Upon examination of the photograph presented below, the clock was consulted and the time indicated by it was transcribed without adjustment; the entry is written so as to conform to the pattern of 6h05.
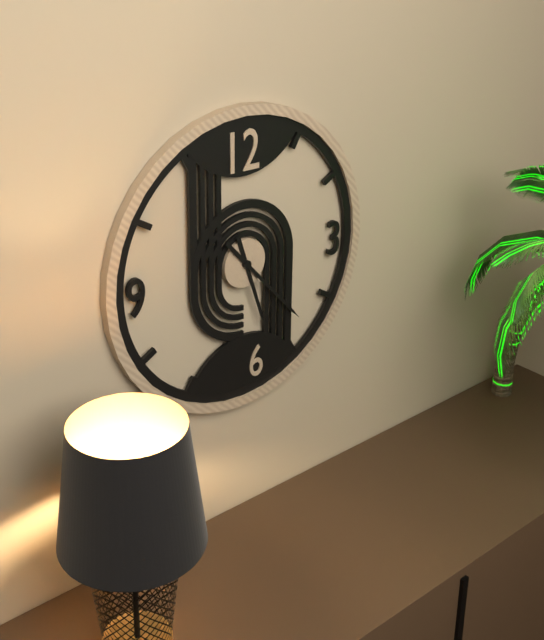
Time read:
5h23
